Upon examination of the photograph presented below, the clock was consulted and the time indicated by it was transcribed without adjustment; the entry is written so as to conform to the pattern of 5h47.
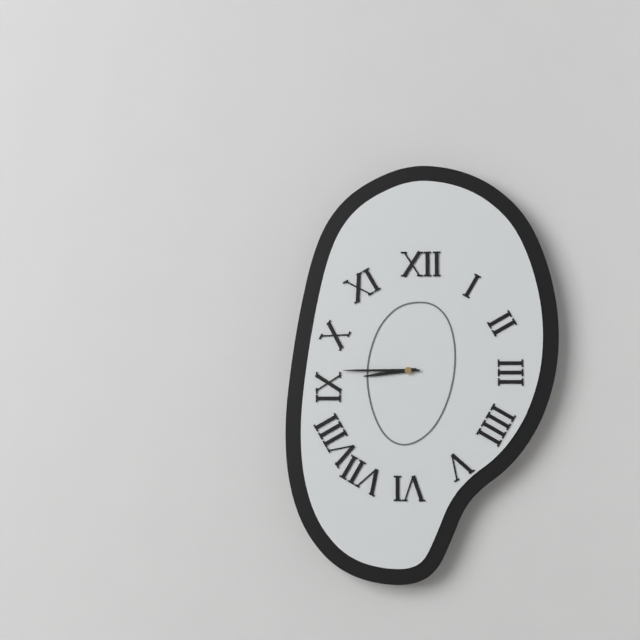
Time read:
8h45
